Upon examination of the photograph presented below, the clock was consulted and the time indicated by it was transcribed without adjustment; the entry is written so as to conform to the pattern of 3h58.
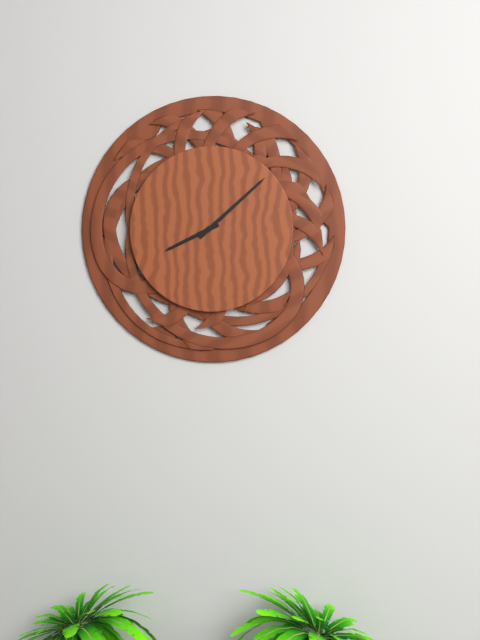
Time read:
8h08
